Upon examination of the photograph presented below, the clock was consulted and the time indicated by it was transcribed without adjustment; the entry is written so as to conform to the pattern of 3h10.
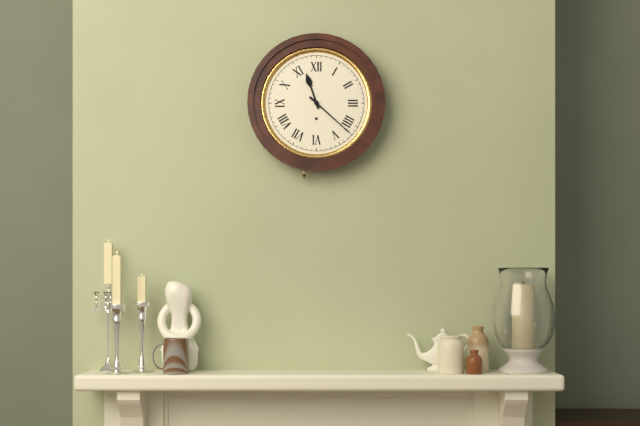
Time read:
11h22
